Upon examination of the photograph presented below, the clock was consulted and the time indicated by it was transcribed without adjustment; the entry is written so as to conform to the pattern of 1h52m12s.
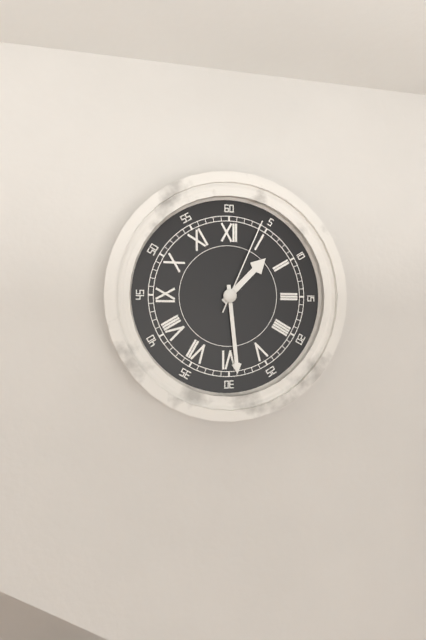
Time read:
1h29m04s
